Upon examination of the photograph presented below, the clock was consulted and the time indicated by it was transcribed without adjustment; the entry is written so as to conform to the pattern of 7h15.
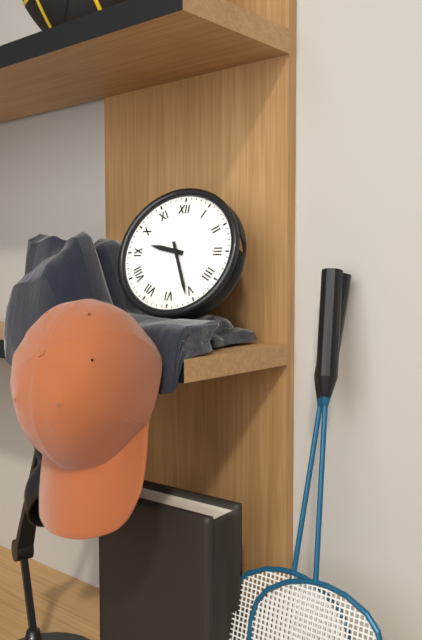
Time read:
9h26
